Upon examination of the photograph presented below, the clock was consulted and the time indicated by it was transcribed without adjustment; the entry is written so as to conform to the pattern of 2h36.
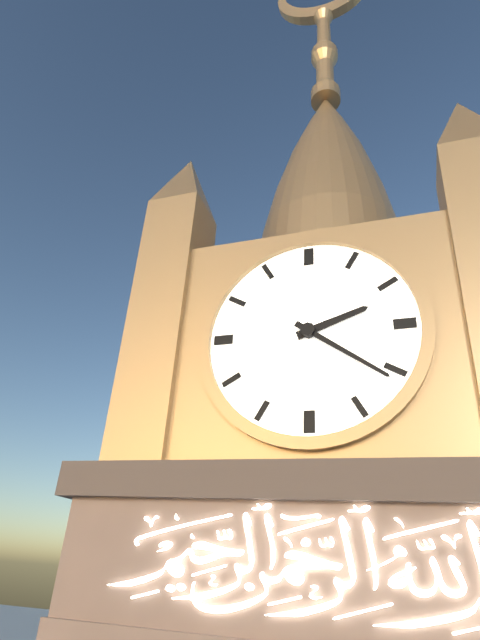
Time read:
2h21
